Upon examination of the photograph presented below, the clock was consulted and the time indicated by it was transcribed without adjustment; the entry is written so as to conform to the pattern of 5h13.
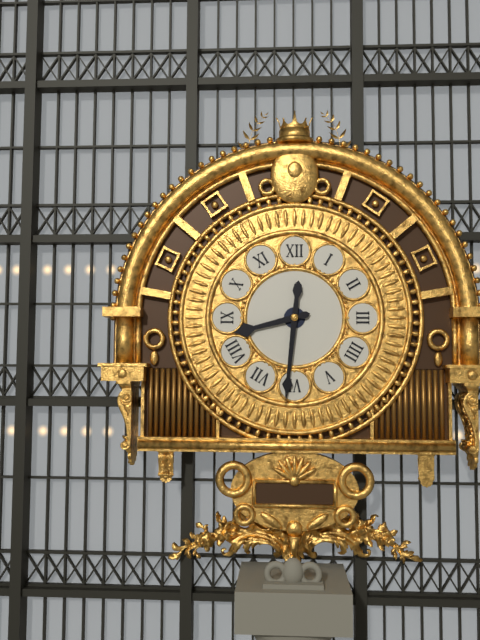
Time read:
8h31
